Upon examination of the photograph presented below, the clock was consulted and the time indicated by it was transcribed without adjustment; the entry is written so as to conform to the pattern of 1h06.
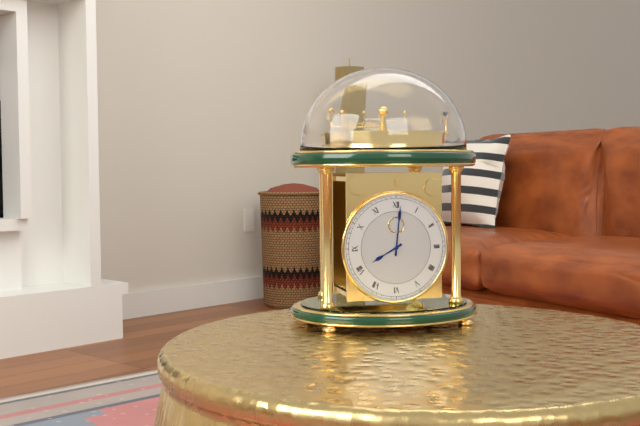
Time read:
8h01
